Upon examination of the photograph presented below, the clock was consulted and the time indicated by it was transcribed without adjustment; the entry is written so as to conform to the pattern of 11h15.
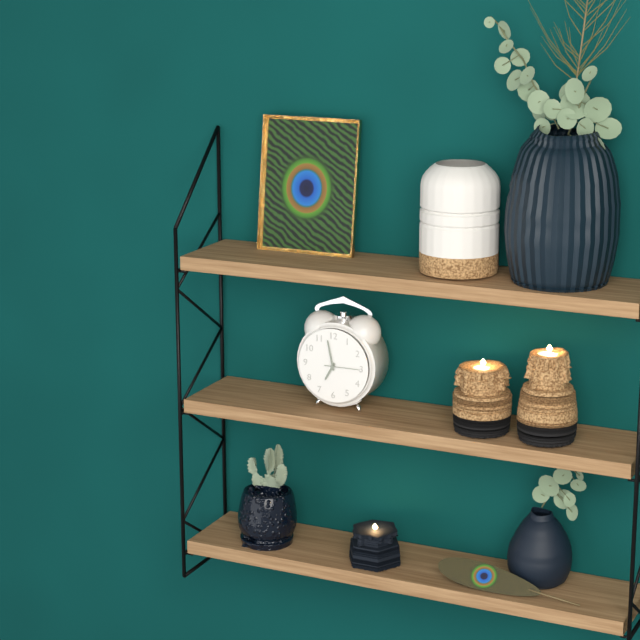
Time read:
6h58
